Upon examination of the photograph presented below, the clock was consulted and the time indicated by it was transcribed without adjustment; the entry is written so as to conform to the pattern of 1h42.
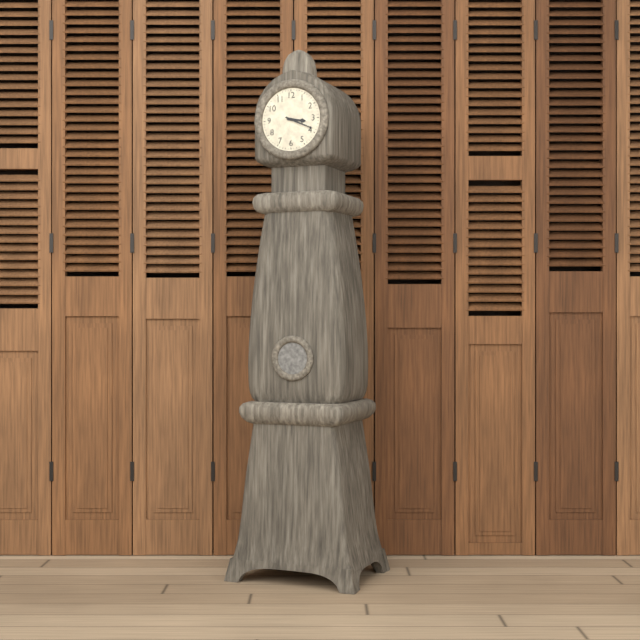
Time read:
3h19
